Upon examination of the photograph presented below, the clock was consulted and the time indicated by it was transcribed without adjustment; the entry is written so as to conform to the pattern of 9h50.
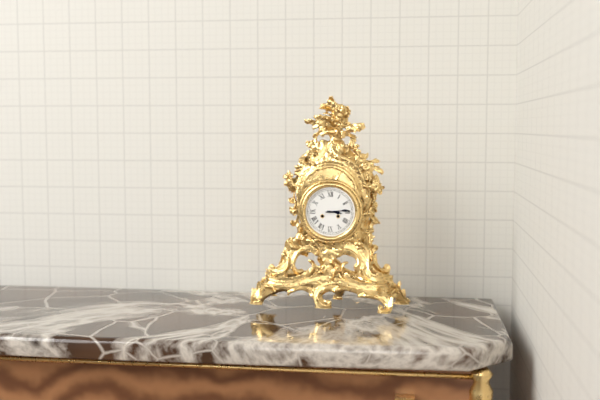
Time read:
3h14
